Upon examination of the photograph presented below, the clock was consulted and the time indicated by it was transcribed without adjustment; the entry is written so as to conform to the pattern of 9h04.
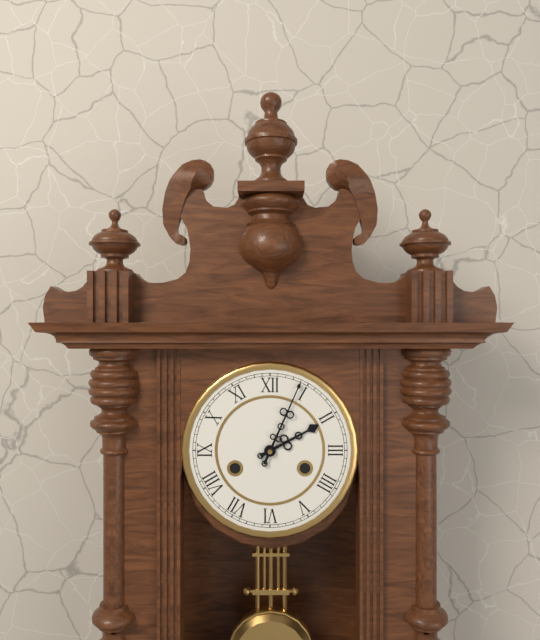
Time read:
2h04
